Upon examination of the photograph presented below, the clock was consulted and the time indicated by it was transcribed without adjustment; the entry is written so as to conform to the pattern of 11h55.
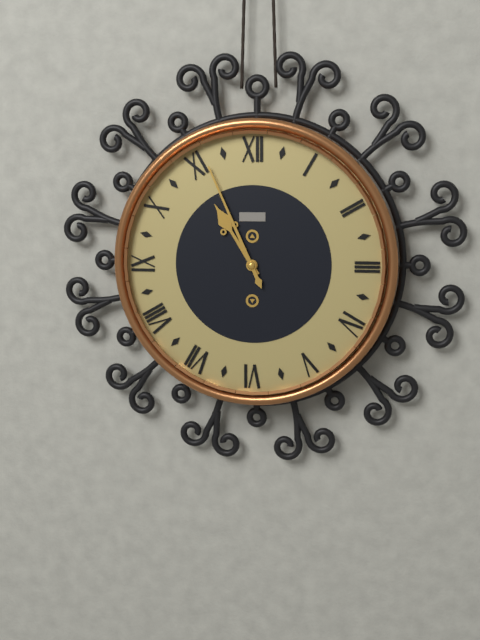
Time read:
10h56
